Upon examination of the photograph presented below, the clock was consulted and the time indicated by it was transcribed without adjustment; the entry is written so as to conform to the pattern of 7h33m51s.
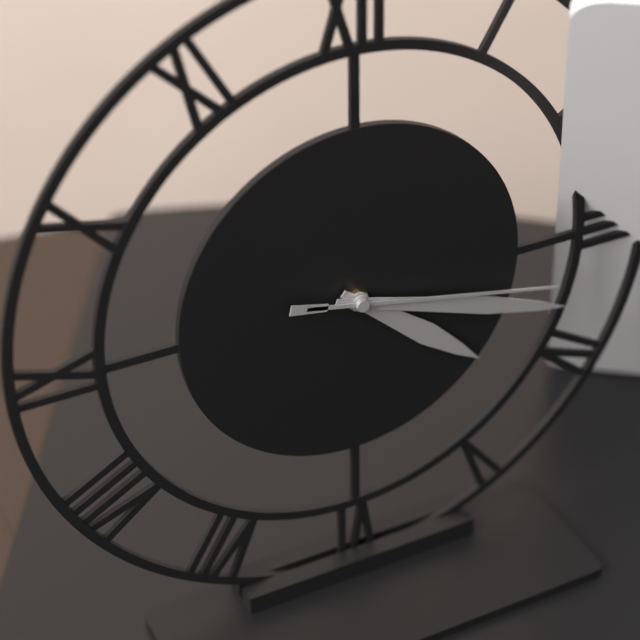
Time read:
4h18m17s
